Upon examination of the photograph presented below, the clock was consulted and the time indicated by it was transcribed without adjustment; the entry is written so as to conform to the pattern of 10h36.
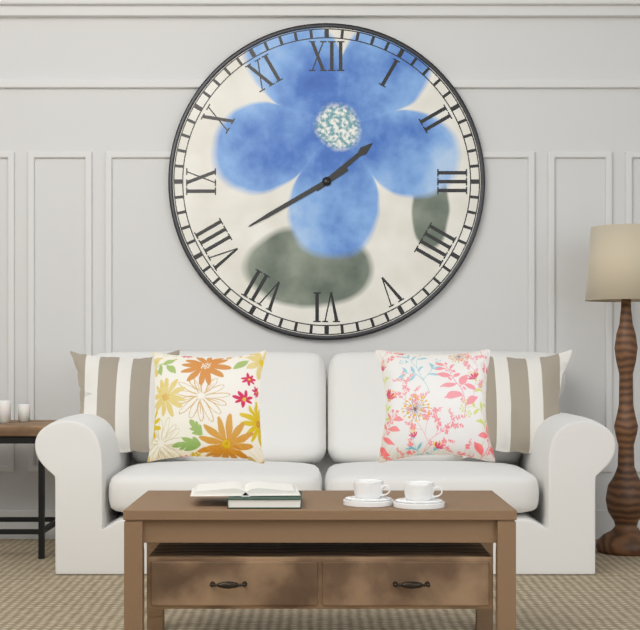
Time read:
1h40
